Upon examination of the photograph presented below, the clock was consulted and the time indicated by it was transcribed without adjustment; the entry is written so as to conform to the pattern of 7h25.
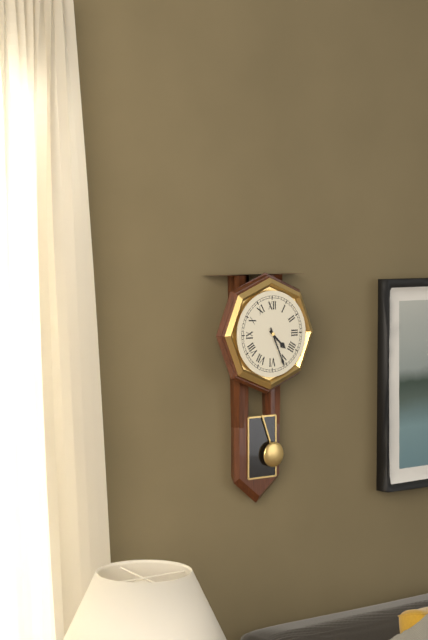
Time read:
4h26
